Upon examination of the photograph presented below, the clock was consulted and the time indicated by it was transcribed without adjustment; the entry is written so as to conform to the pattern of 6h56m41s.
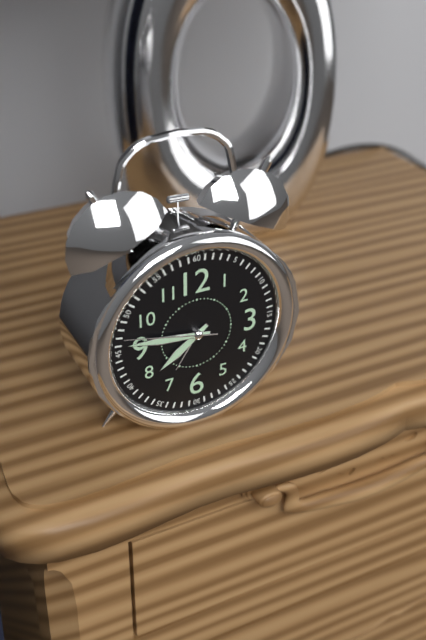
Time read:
7h46m47s
